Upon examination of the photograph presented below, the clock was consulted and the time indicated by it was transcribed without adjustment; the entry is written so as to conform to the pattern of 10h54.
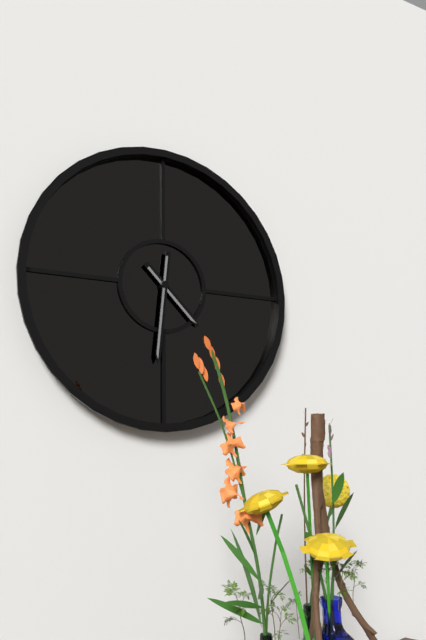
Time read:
4h31
